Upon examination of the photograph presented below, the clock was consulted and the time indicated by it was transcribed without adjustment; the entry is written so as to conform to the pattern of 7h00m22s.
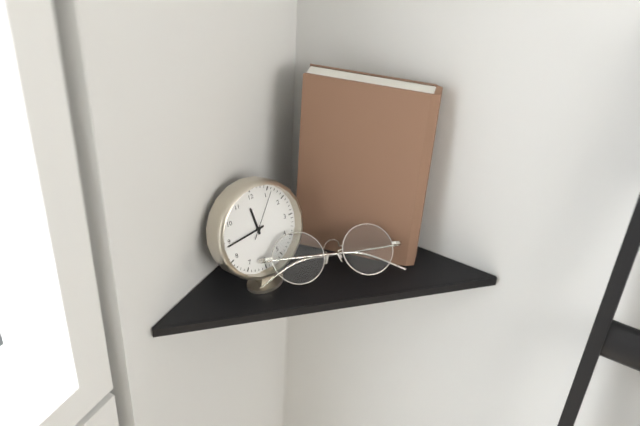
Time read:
11h44m06s
